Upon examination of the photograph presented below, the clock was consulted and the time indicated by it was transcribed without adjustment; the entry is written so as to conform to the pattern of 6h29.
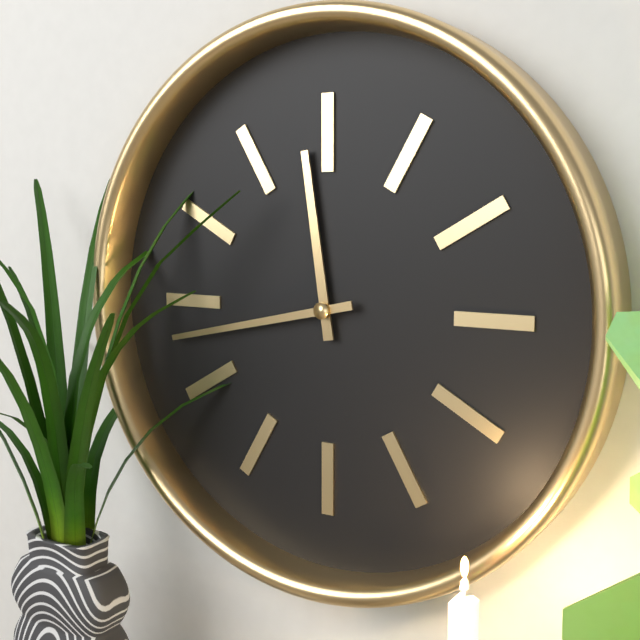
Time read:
11h43
